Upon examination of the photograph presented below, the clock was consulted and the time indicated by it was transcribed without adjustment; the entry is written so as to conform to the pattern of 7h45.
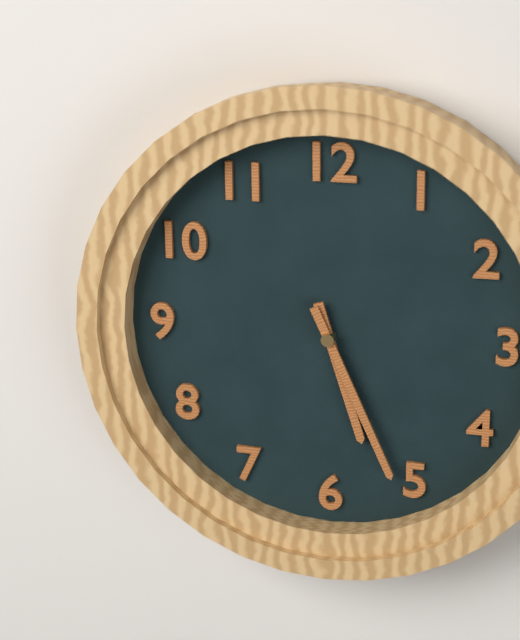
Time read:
5h26
